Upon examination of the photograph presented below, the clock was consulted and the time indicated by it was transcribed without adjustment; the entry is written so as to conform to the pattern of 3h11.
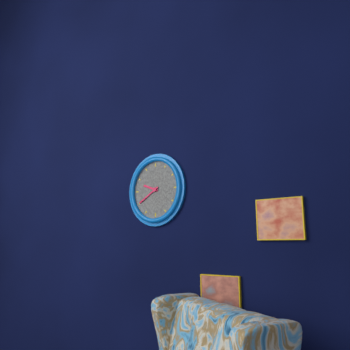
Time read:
9h40
